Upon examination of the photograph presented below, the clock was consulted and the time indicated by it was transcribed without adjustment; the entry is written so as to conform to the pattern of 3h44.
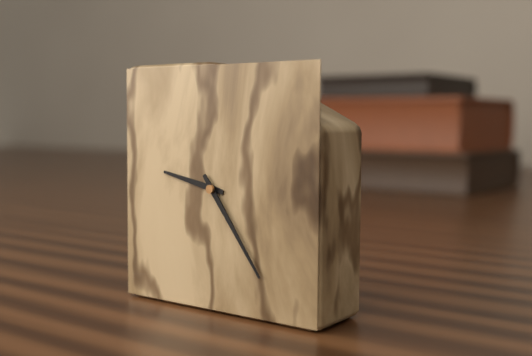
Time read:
9h24
